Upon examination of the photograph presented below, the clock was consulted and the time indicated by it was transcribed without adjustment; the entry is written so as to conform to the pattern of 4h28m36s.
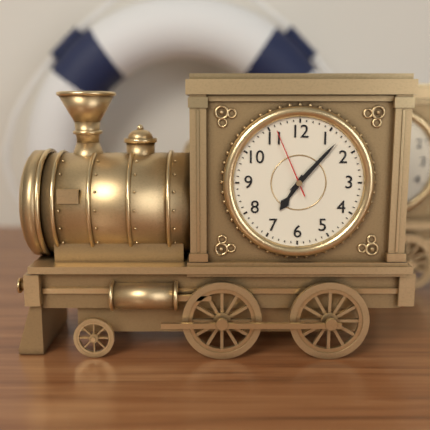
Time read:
7h07m56s
